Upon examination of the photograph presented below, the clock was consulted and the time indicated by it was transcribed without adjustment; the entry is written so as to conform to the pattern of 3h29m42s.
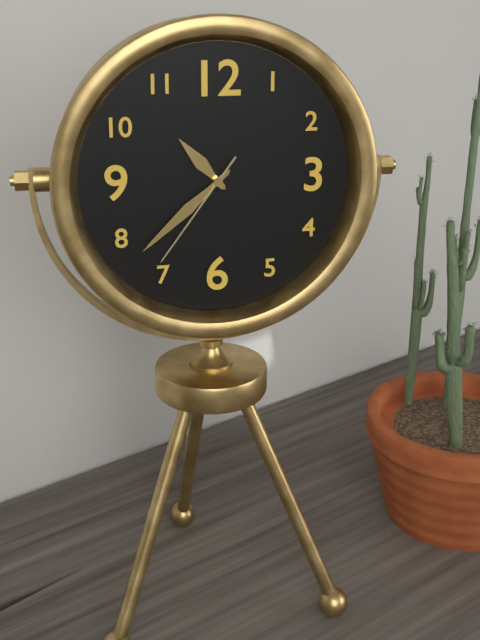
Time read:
10h38m36s
